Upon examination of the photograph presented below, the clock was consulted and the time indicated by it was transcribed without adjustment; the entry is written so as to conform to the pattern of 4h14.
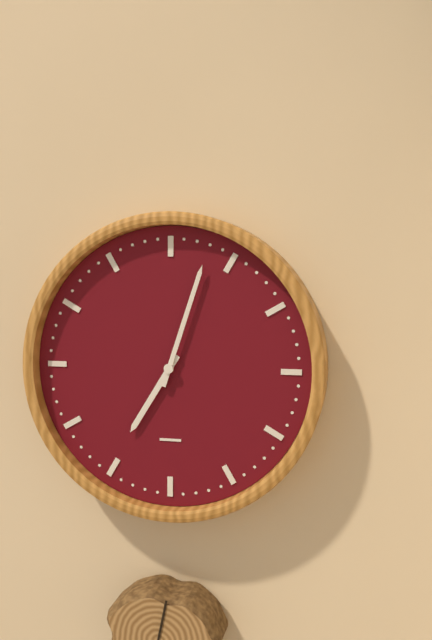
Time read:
7h03
